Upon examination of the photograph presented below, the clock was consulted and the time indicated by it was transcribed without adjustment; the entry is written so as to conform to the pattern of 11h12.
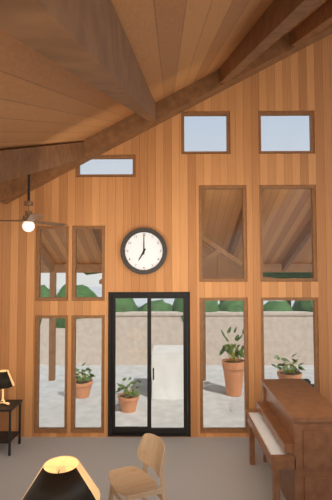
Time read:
7h00
